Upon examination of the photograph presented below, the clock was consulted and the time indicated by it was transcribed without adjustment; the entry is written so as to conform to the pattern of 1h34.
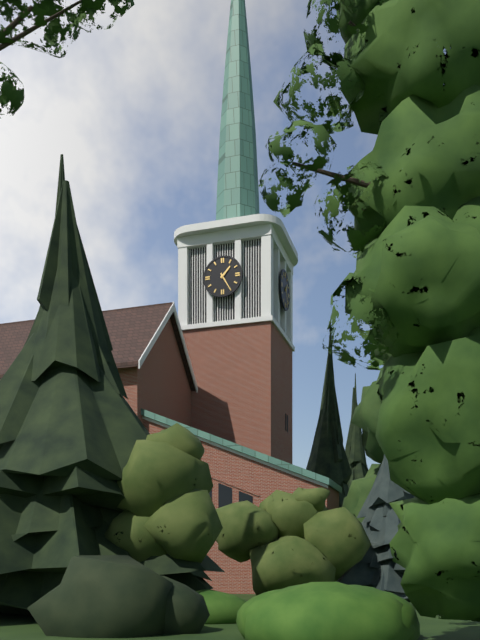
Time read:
1h25
